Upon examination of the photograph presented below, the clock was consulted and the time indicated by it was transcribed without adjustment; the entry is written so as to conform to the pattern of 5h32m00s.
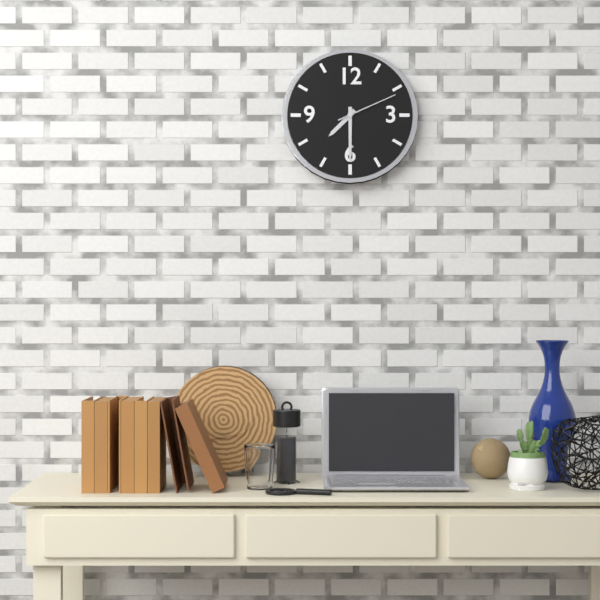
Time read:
7h30m11s
